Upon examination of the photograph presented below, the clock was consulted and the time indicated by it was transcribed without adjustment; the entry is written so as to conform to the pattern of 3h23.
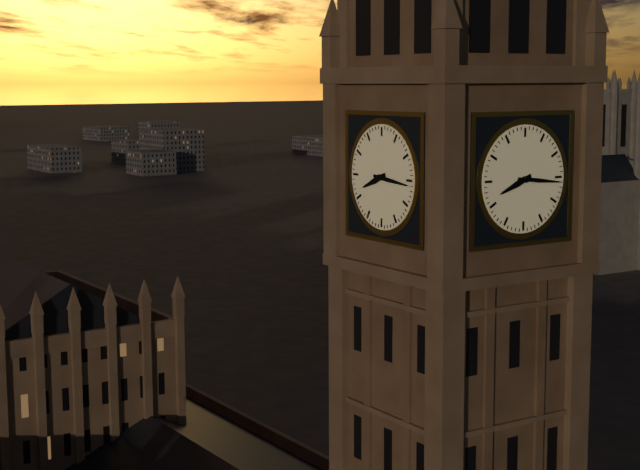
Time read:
8h16
